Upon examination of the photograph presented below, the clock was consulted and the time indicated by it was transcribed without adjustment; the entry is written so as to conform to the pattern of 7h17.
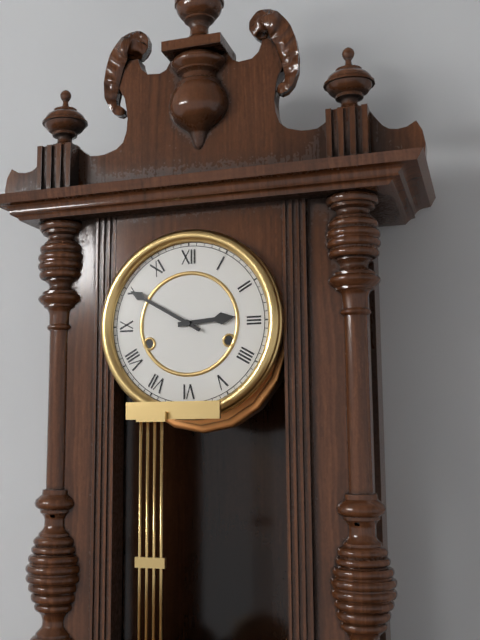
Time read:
2h50
